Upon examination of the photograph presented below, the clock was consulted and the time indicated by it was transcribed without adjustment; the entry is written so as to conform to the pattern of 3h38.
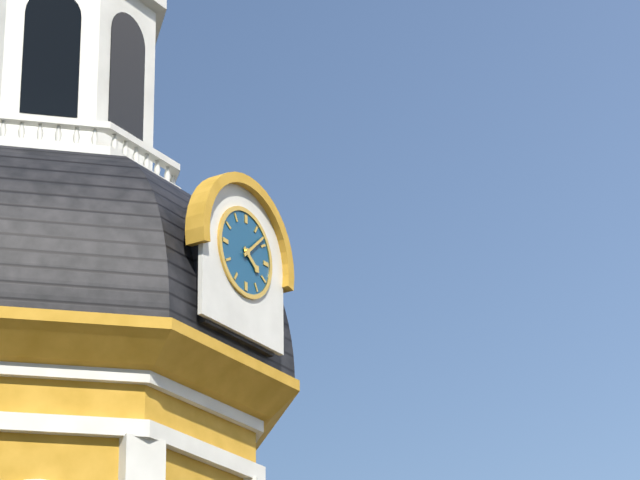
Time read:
4h08
